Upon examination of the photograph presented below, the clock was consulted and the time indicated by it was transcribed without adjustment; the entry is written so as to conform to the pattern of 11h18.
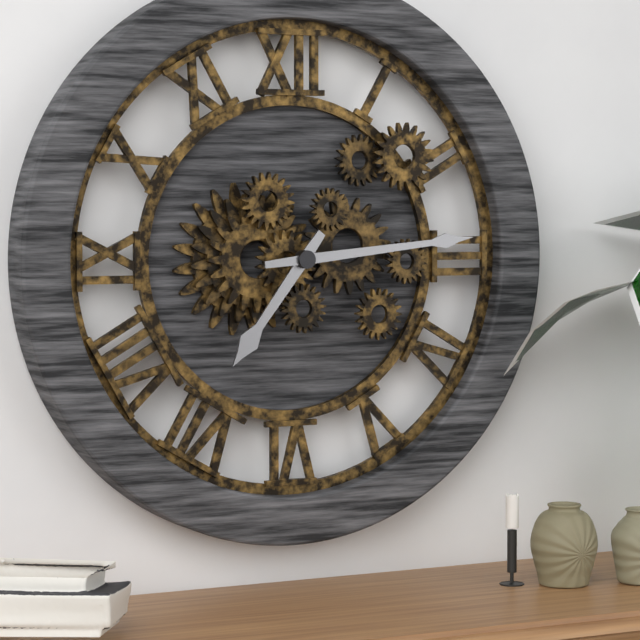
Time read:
7h14
